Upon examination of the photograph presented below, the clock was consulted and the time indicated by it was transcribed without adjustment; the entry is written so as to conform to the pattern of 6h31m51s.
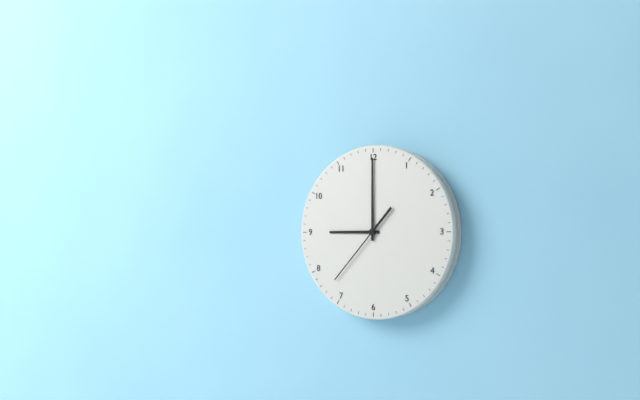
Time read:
9h00m37s
